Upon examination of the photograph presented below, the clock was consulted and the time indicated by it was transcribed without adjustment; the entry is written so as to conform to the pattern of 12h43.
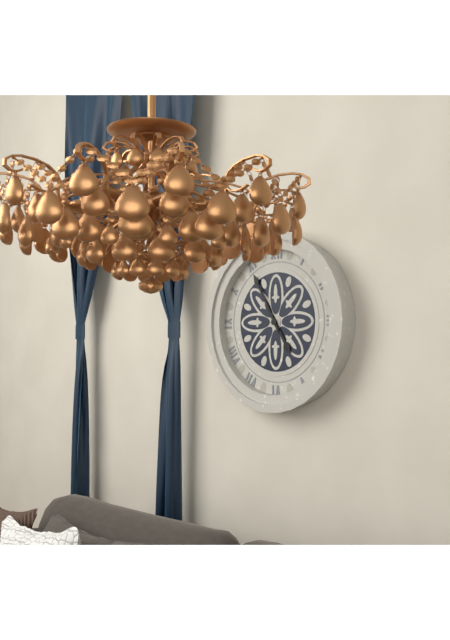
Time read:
4h55
